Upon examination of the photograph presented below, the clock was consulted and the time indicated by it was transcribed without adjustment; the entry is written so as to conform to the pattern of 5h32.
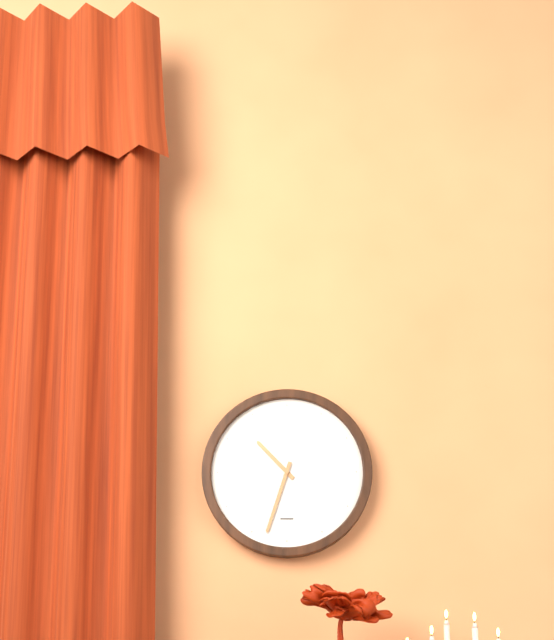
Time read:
10h33
